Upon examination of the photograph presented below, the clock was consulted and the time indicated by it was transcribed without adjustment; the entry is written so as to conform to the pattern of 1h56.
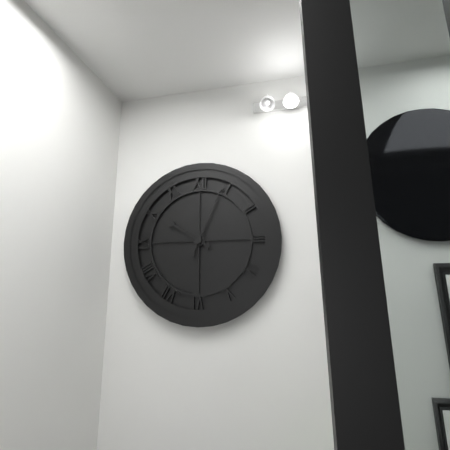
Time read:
10h04
